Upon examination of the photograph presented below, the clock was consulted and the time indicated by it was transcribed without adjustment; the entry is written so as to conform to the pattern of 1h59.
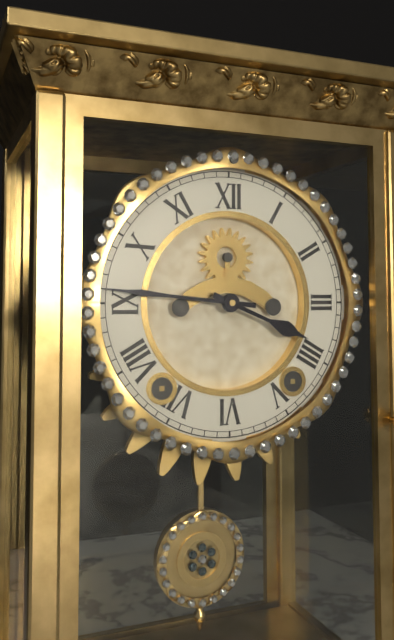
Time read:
3h46
